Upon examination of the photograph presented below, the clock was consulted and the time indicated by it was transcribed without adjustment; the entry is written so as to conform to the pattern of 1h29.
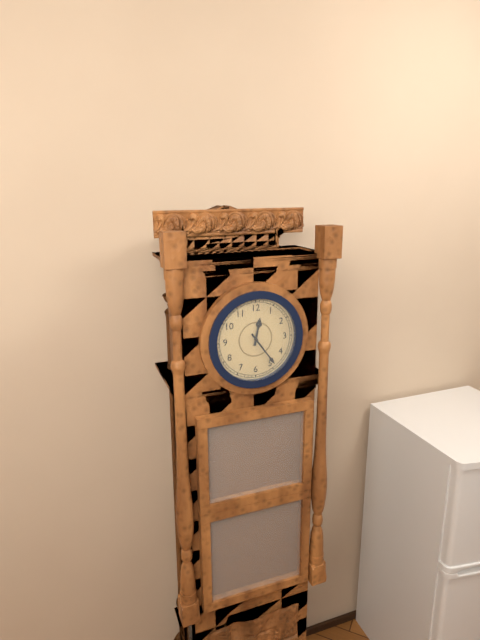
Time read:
12h24
